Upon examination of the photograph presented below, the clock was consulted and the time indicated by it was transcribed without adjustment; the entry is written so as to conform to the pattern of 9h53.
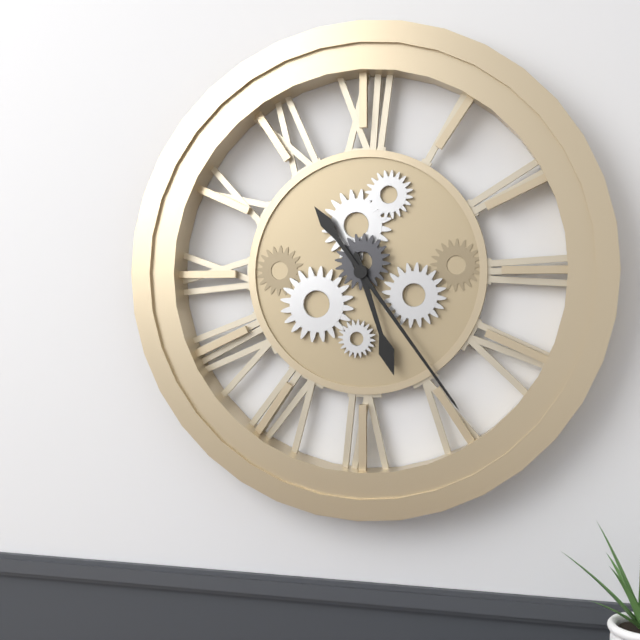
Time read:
5h24
